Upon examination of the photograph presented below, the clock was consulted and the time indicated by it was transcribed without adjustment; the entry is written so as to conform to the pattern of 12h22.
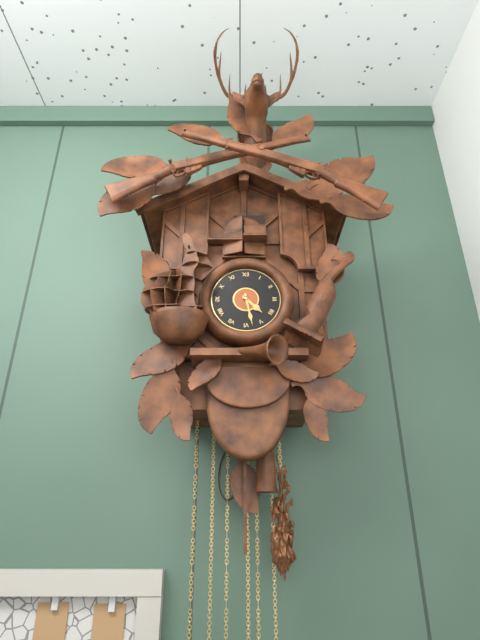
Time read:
4h28
